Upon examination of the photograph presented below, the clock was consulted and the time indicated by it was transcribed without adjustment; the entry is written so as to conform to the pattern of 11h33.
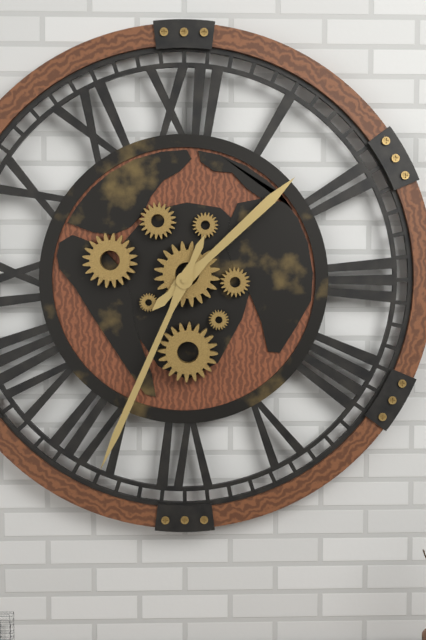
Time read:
1h34
